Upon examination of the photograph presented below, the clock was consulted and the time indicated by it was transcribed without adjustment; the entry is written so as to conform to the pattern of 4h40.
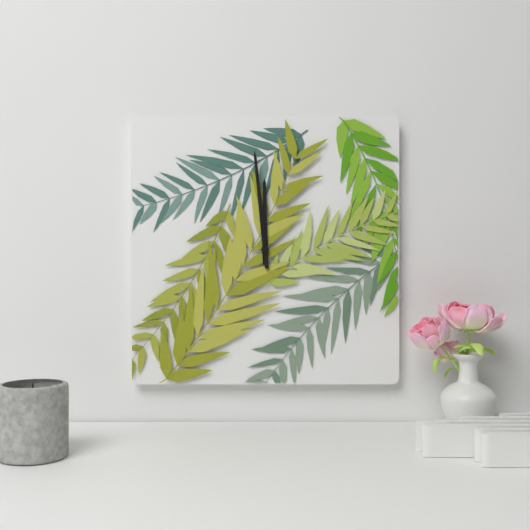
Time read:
11h59
